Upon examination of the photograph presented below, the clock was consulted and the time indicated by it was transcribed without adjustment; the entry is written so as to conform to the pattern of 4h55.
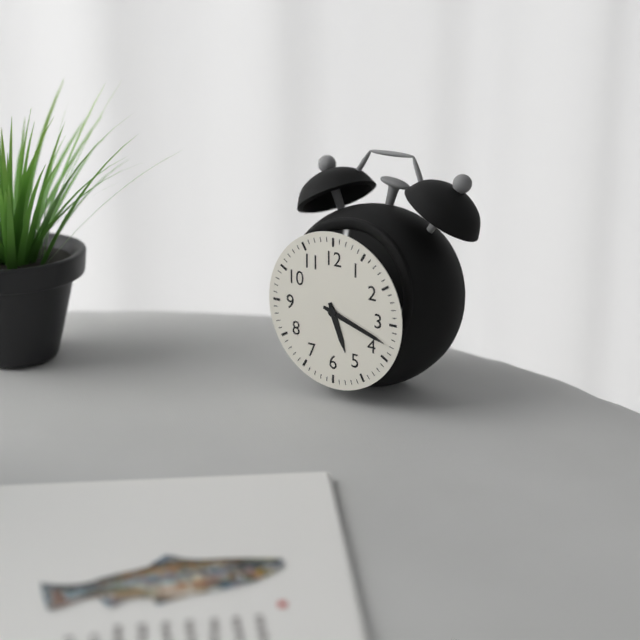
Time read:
5h18
